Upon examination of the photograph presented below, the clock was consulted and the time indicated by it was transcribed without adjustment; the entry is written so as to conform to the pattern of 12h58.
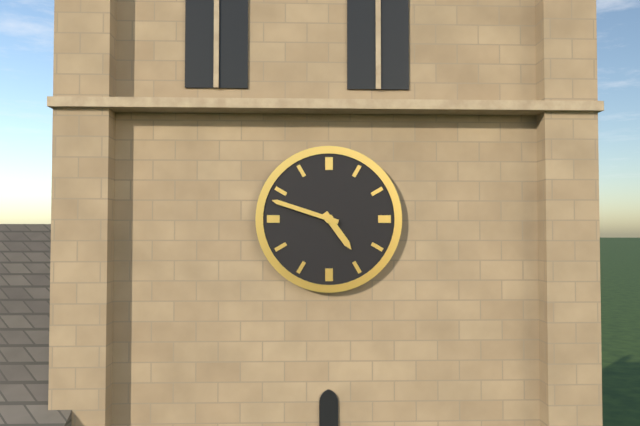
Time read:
4h48
